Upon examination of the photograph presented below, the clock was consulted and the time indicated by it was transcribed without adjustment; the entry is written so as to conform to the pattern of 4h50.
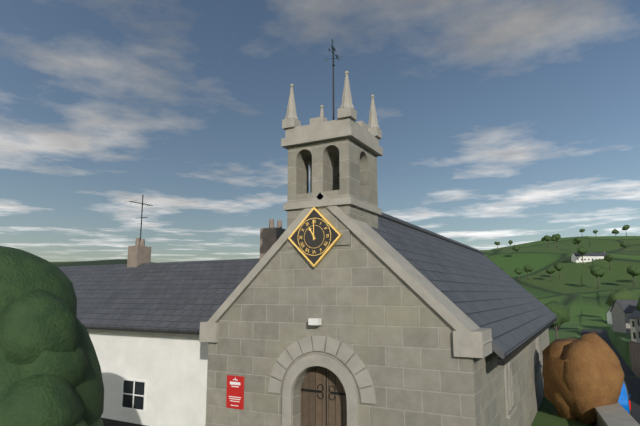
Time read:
11h00
